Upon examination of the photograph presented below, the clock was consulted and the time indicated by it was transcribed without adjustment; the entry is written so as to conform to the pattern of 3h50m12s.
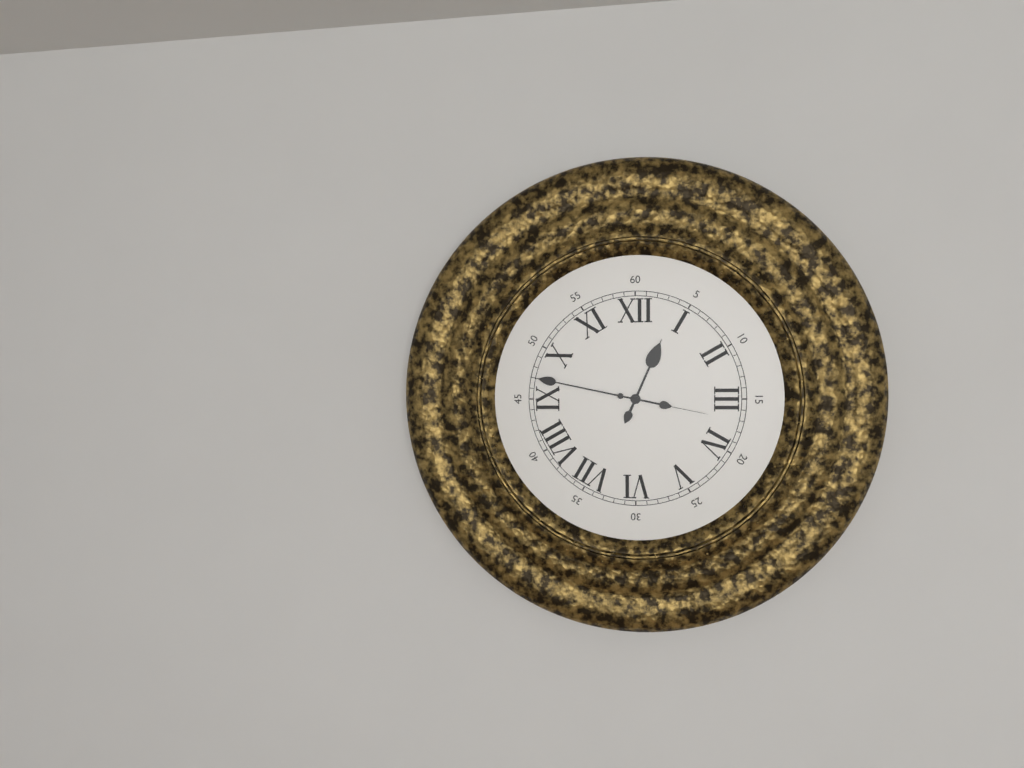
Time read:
12h47m17s
